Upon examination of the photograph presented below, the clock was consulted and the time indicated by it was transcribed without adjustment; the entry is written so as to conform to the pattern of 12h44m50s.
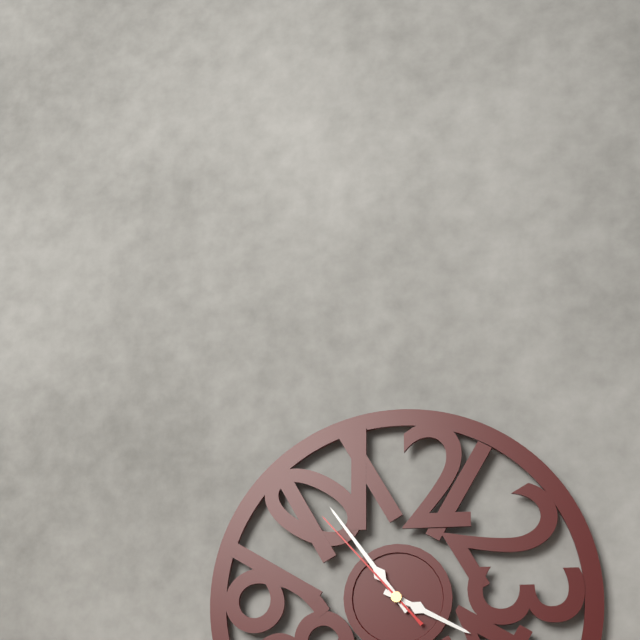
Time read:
3h54m53s
